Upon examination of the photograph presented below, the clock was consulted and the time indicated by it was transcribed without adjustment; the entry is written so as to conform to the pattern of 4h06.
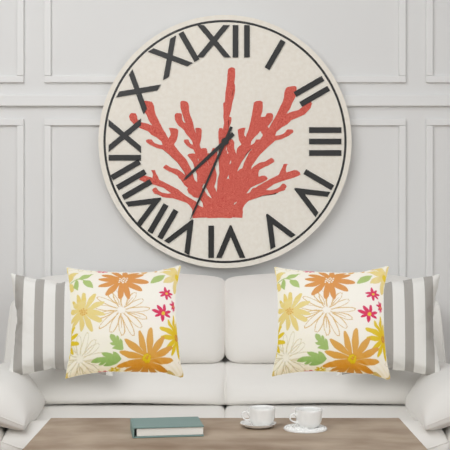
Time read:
7h34
